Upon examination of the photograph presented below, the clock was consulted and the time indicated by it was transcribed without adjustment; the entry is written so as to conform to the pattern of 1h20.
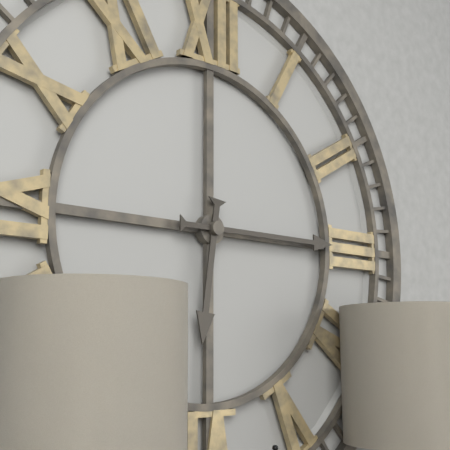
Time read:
6h15
